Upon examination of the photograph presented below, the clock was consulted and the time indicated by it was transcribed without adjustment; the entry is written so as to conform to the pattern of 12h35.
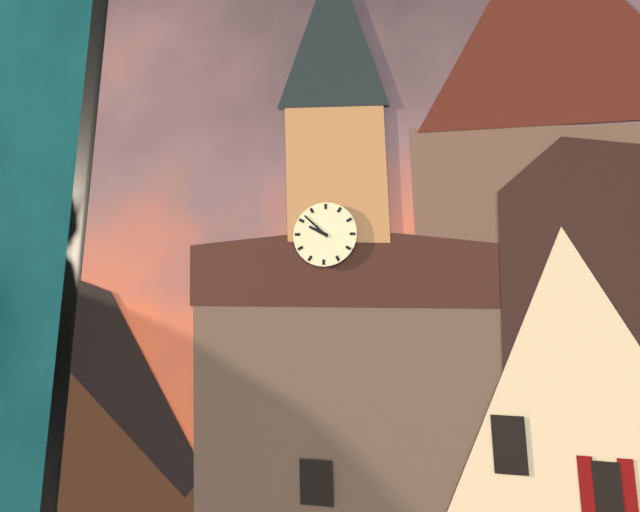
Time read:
9h52
